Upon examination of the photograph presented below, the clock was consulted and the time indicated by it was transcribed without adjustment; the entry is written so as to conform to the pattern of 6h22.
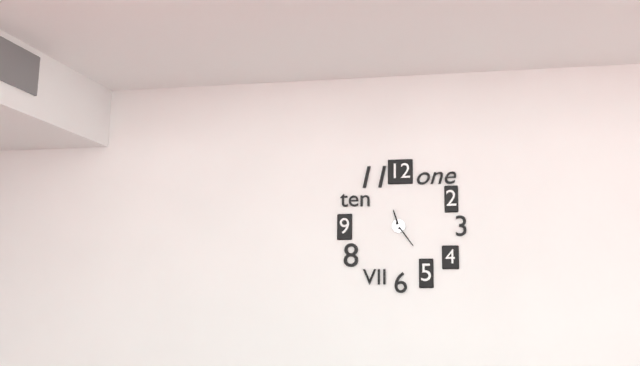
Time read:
11h24
